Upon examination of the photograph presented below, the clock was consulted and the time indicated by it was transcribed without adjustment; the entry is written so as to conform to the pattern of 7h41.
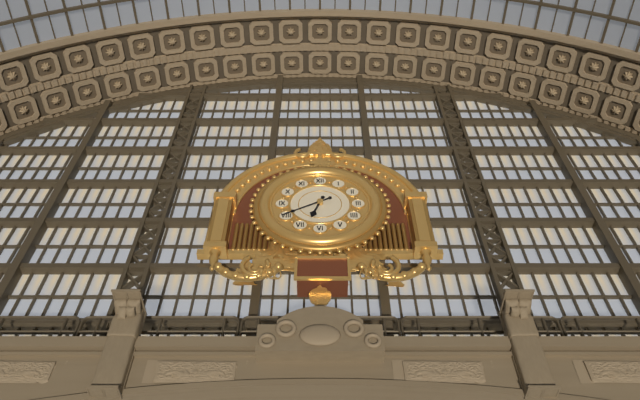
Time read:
6h40
